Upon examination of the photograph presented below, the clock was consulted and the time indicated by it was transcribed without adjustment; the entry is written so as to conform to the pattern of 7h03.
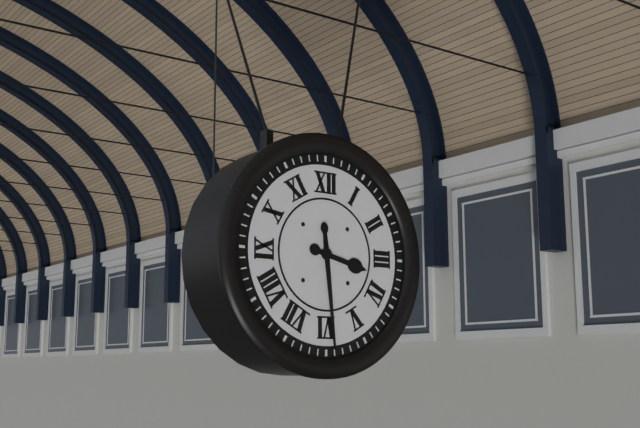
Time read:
3h29
